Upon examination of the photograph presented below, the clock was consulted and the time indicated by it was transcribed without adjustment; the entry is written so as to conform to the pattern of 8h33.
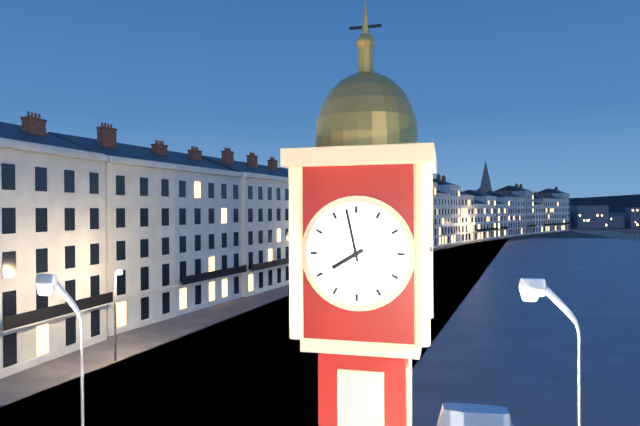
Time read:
7h58
